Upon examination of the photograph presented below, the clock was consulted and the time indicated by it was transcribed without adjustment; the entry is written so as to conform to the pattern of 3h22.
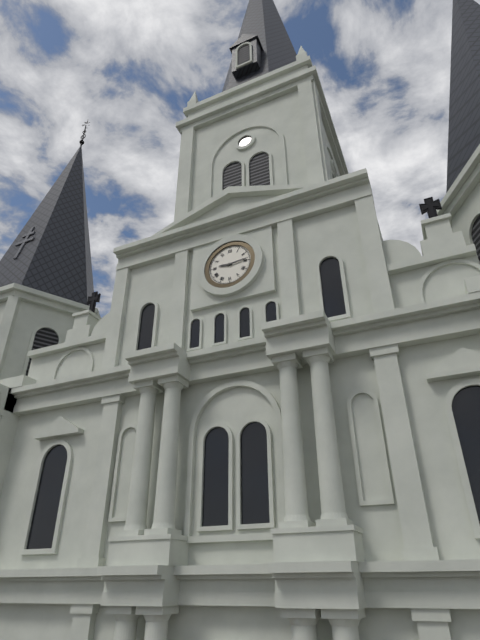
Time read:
9h14
